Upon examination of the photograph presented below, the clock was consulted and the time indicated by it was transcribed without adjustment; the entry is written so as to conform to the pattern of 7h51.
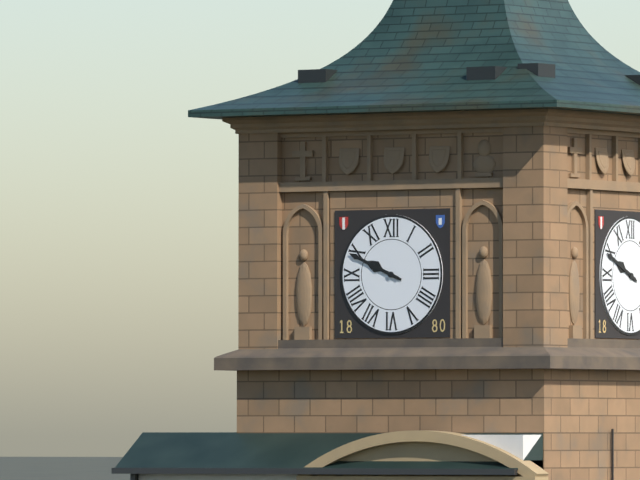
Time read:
9h49
